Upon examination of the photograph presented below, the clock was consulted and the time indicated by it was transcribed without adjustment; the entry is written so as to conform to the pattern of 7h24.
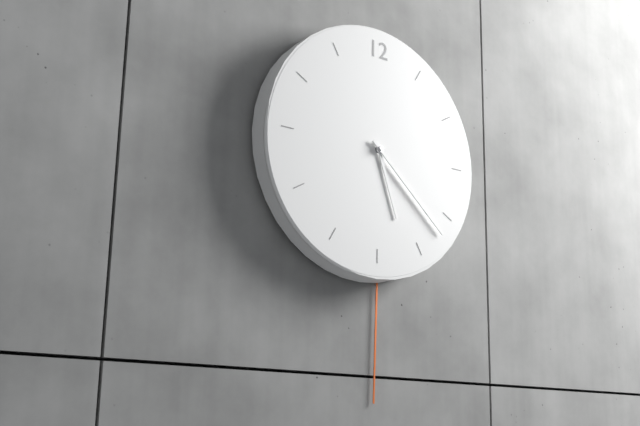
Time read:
5h22
